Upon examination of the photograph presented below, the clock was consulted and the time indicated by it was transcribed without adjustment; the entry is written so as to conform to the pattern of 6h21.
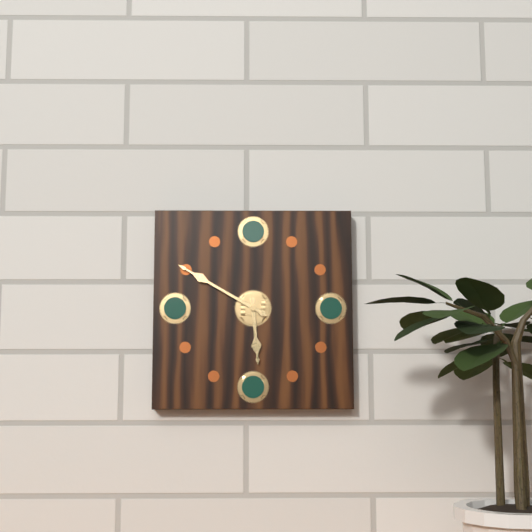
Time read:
5h50
